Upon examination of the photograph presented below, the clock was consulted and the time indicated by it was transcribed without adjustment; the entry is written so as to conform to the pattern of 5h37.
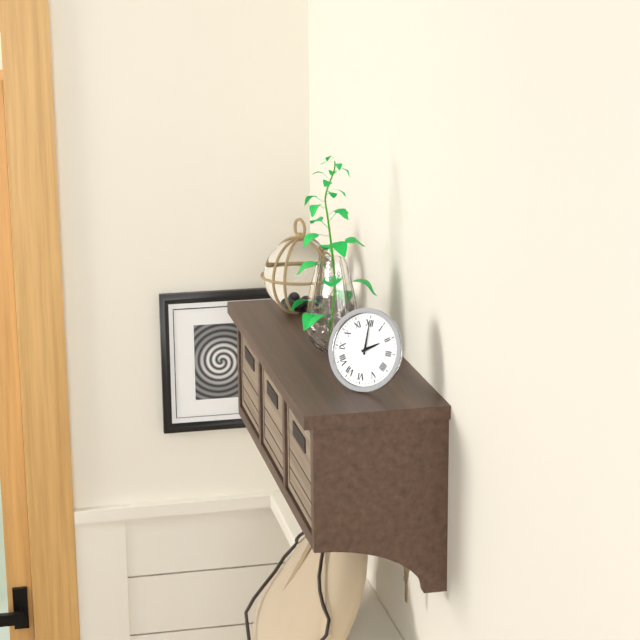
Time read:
2h00
